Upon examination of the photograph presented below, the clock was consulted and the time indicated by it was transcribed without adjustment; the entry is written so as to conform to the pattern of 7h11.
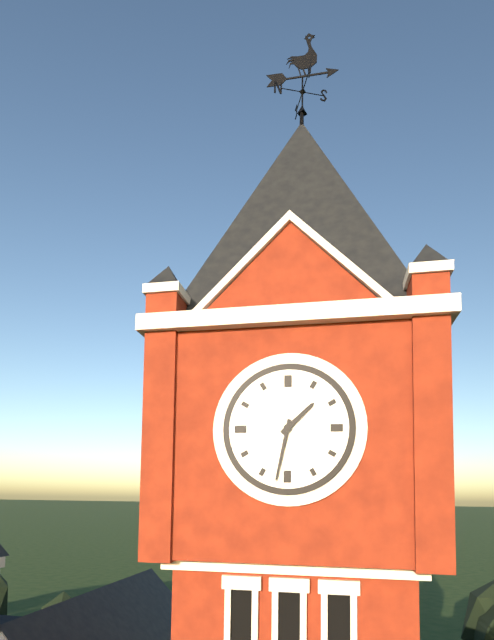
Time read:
1h32
